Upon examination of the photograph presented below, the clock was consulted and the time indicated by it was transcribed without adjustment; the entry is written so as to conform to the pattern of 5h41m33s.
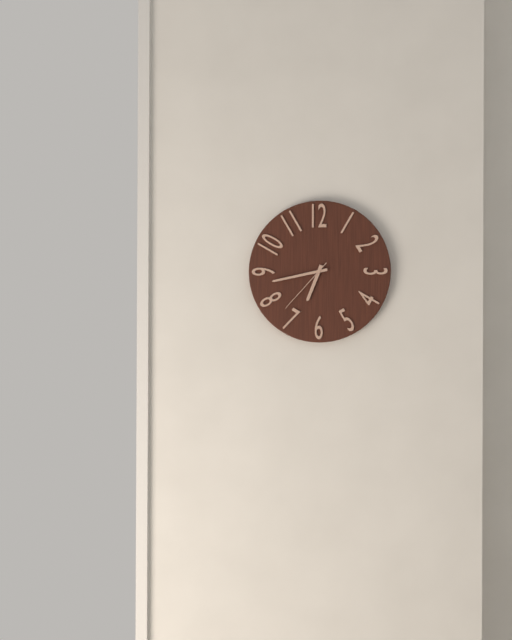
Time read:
6h43m37s
